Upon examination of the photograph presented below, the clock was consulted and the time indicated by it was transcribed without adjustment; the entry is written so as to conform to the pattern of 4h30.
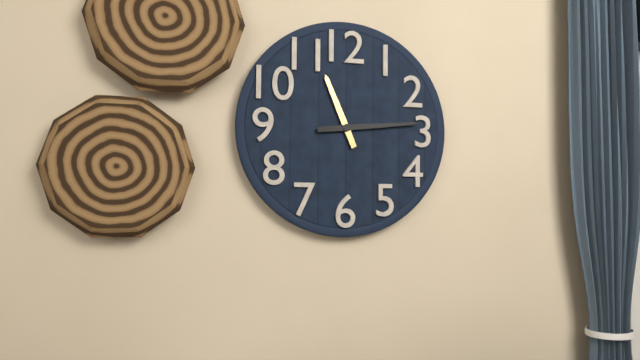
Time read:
11h14
